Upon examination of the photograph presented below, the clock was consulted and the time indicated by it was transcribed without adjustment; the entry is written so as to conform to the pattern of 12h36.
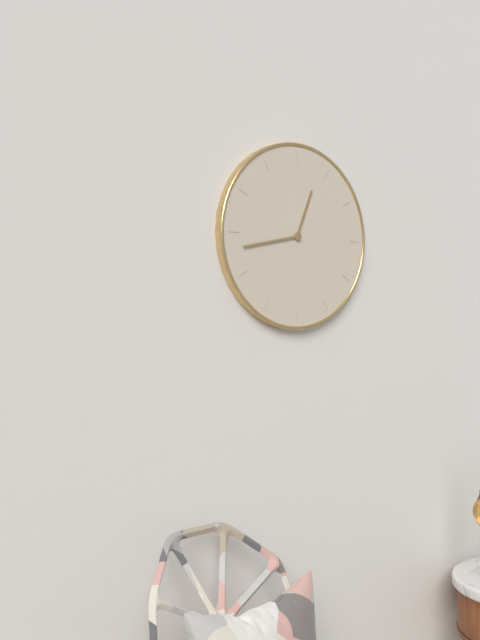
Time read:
12h43
